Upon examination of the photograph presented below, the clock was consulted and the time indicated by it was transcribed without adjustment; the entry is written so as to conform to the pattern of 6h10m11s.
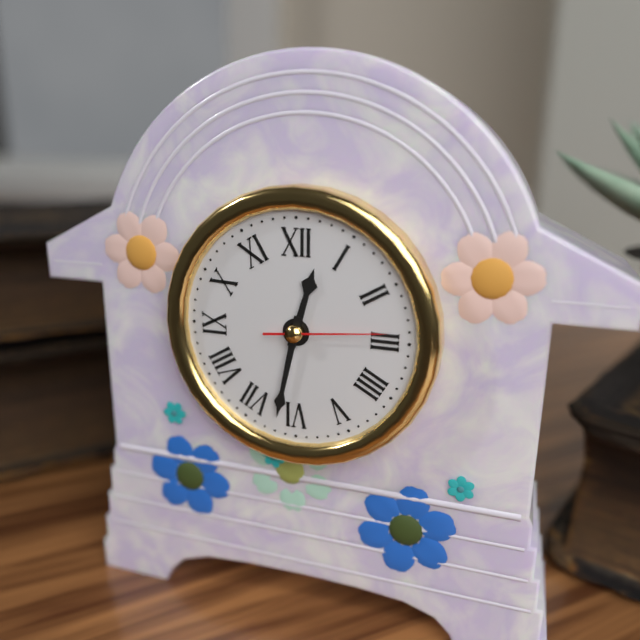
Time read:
12h32m14s
